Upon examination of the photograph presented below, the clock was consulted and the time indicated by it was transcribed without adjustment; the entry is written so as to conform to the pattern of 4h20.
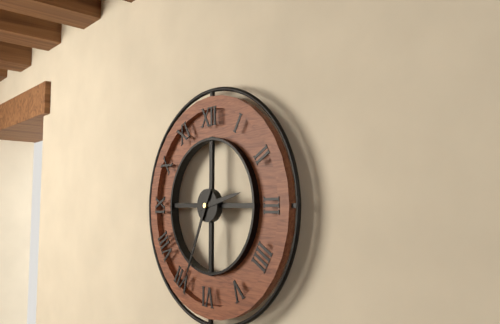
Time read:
2h34
